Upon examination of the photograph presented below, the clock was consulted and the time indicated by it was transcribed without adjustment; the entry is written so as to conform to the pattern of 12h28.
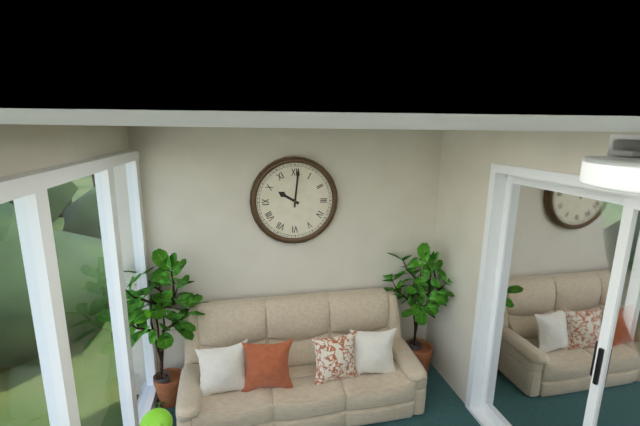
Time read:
10h01
